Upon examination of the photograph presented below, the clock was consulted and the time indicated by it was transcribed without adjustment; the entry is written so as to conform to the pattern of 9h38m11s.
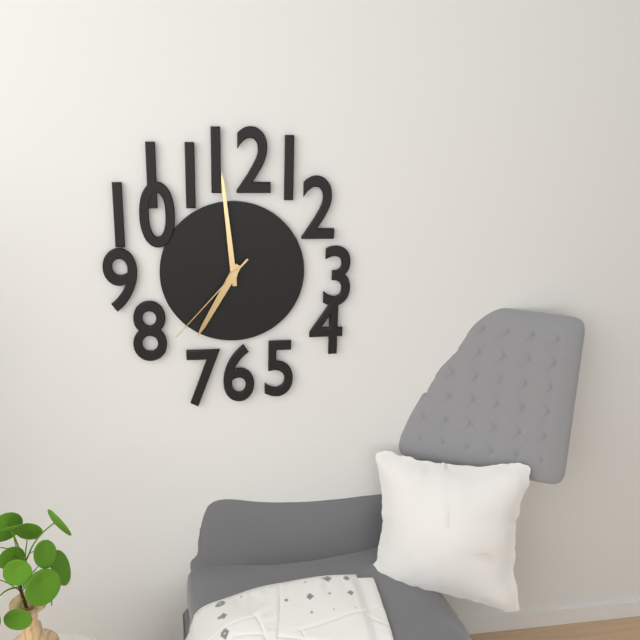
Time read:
6h59m37s
